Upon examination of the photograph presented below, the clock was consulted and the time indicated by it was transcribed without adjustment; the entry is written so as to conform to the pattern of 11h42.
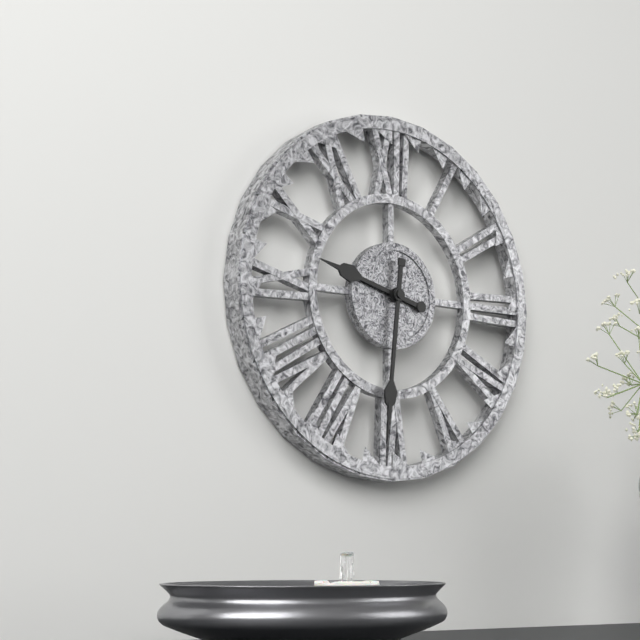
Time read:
9h31
